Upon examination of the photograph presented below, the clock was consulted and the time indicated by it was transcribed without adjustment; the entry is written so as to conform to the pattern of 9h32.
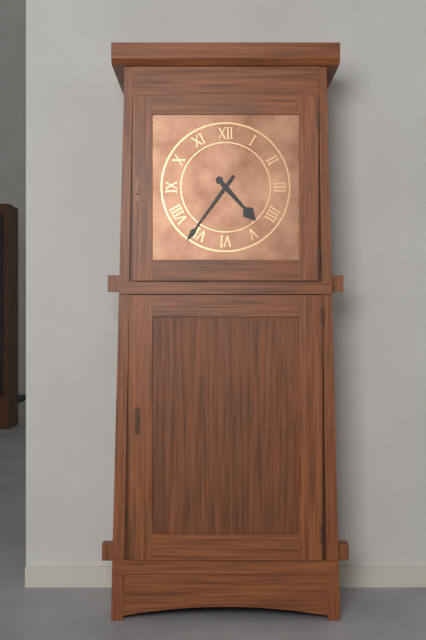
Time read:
4h36
